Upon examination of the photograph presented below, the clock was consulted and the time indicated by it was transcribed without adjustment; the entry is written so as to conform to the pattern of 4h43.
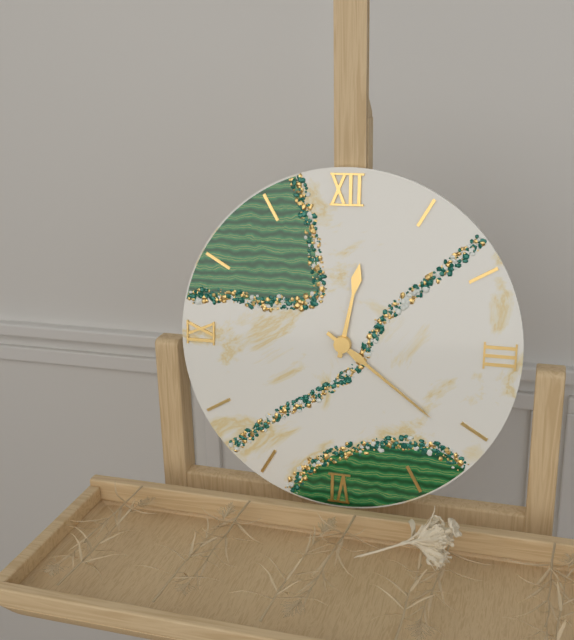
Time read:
12h21
